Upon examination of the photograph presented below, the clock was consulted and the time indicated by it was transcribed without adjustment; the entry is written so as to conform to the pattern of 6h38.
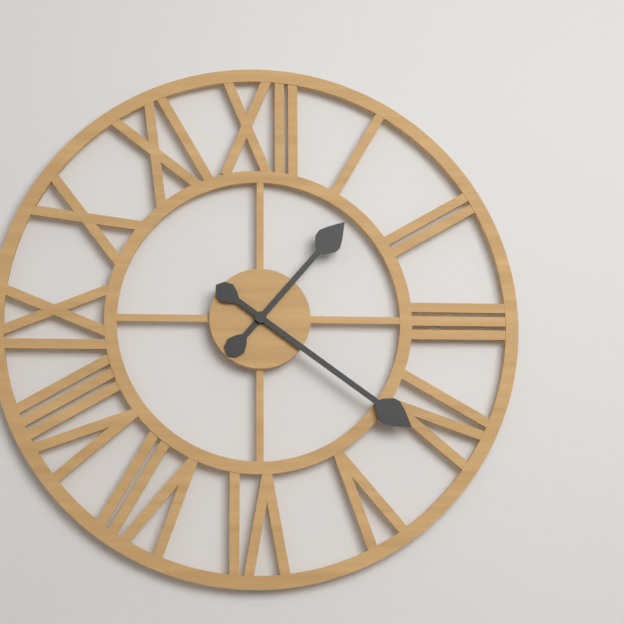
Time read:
1h21
